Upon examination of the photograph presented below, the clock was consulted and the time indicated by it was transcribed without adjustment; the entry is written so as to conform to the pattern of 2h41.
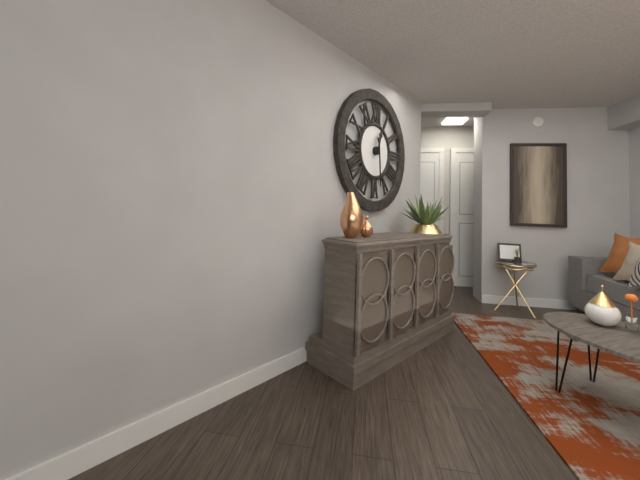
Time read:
12h29
